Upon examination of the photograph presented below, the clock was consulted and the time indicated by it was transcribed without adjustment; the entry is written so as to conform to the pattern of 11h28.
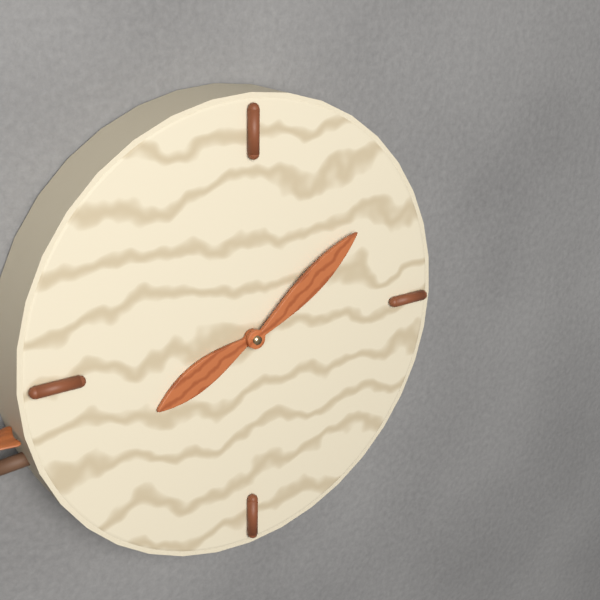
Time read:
8h09
